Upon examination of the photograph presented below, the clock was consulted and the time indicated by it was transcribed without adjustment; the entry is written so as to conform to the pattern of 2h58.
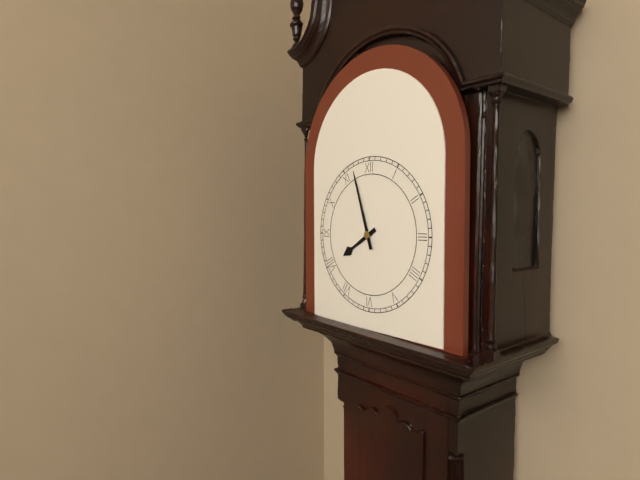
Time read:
7h57
